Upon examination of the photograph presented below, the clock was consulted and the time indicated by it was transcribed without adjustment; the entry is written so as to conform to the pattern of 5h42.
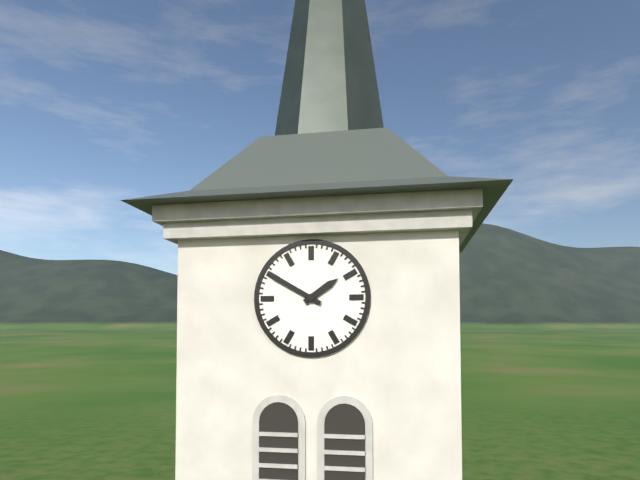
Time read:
1h50
